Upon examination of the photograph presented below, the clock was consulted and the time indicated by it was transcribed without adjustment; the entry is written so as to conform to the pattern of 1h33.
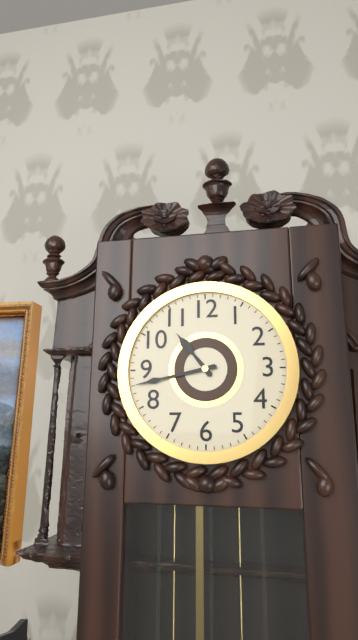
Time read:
10h43
